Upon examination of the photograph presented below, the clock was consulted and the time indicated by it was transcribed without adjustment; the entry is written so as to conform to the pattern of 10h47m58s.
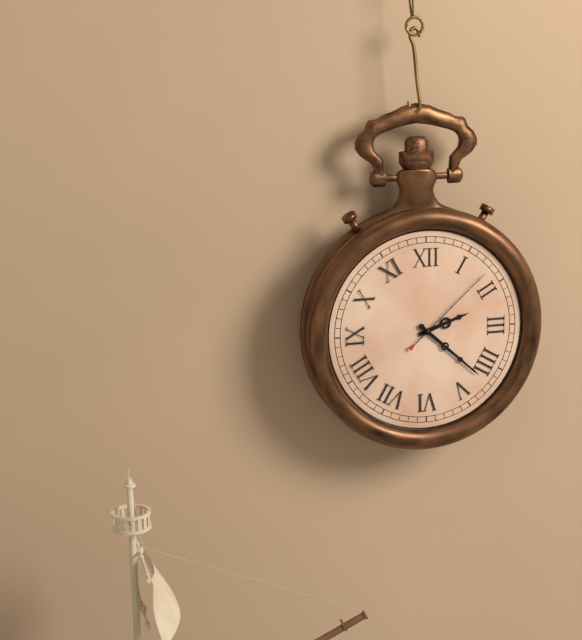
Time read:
2h22m08s
